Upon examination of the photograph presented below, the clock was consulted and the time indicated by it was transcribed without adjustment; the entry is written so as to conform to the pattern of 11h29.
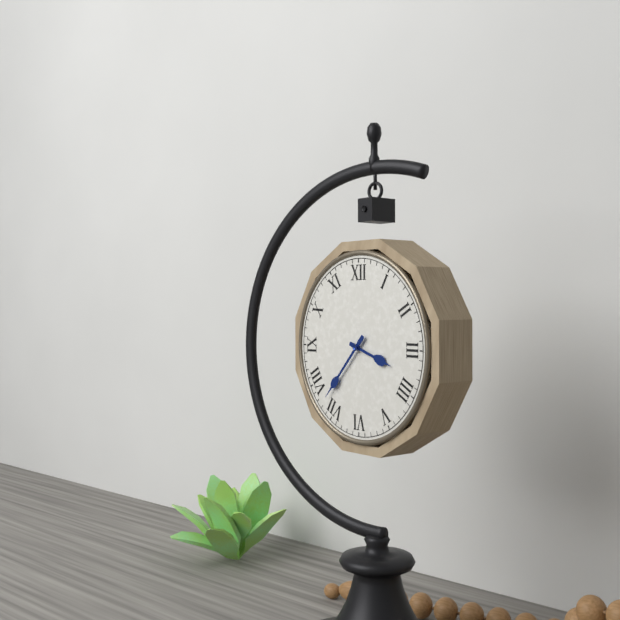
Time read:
3h37
